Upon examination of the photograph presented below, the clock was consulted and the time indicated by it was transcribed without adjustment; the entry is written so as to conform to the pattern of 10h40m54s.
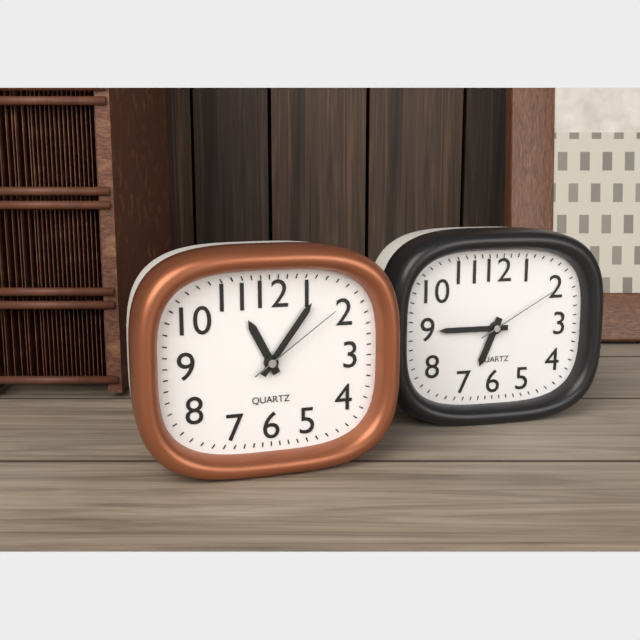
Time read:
11h06m09s
